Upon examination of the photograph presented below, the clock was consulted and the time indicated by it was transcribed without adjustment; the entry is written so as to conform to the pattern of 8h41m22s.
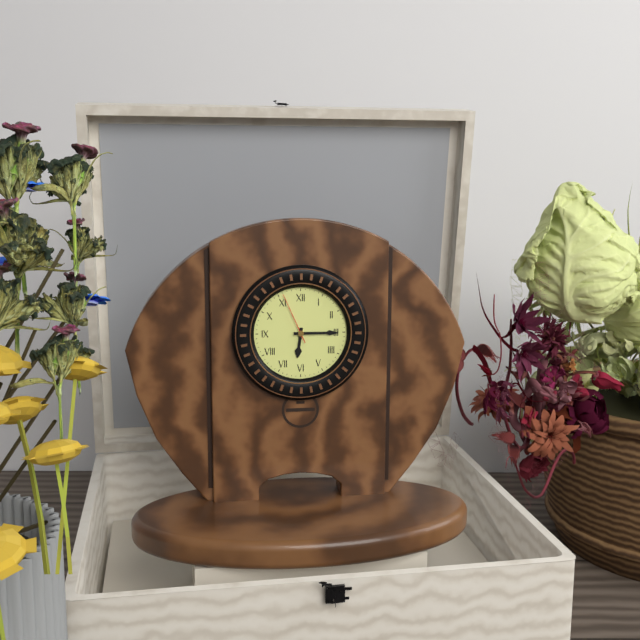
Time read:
6h15m56s
